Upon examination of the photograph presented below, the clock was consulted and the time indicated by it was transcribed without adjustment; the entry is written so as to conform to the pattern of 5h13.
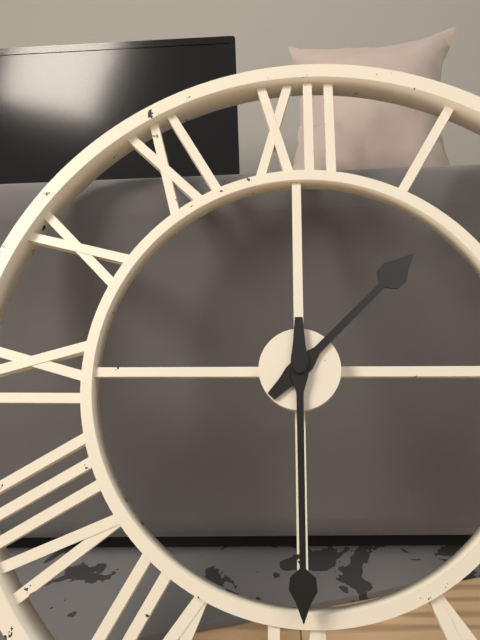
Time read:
1h30
